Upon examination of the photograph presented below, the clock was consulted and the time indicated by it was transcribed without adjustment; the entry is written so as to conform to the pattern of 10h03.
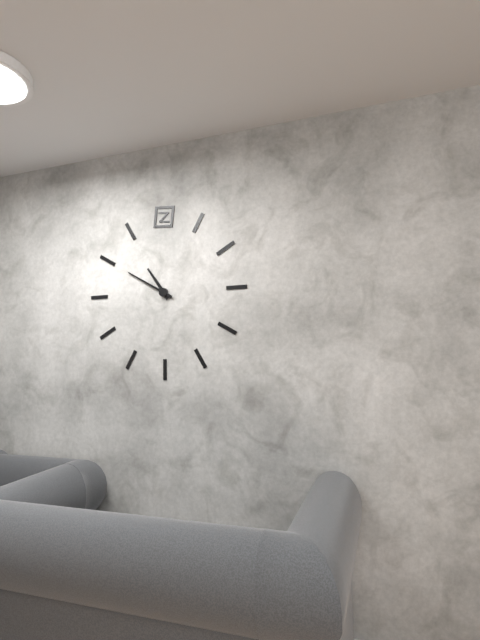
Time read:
10h50
